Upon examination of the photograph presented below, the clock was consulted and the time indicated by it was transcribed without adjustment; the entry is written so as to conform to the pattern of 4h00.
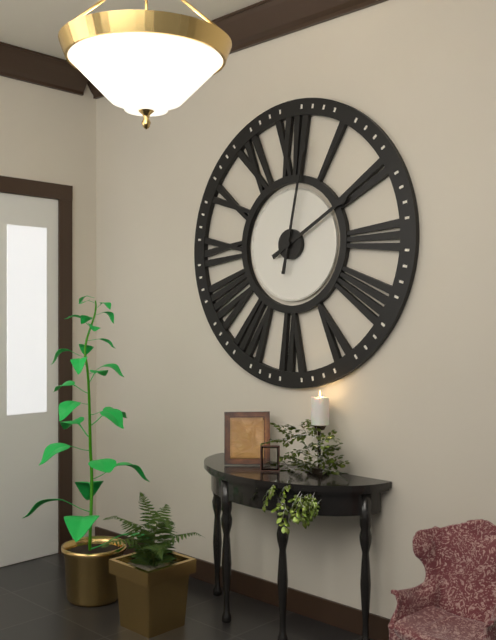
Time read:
2h02
